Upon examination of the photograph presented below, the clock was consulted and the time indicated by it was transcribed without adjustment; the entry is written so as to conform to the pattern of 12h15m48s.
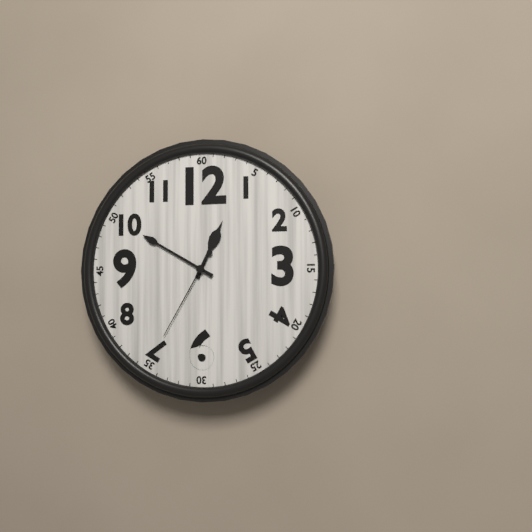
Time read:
12h50m35s
